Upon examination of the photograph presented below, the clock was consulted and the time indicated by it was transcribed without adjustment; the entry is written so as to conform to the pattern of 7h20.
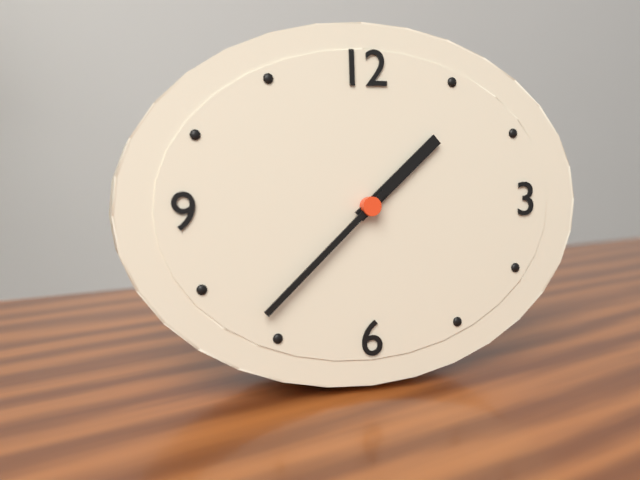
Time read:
1h38
